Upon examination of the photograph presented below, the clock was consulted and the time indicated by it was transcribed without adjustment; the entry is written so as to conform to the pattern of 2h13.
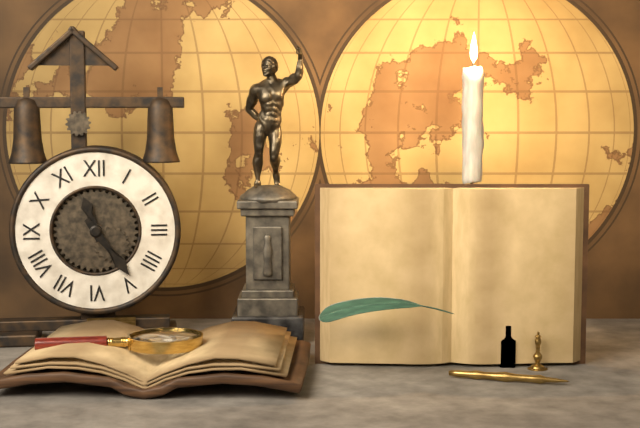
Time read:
11h24
